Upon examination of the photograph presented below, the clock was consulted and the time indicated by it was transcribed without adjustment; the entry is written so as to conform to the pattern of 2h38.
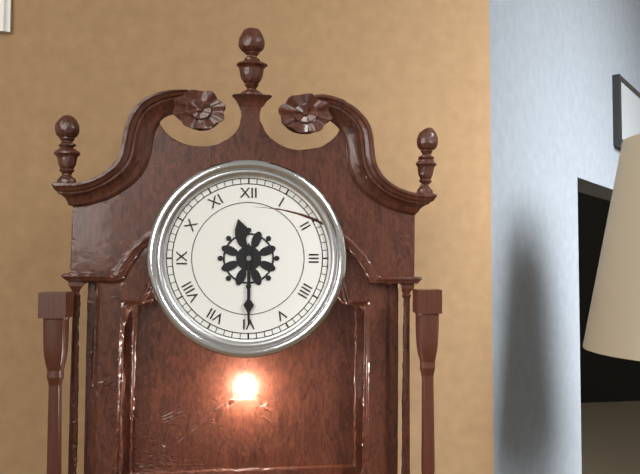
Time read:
11h30
